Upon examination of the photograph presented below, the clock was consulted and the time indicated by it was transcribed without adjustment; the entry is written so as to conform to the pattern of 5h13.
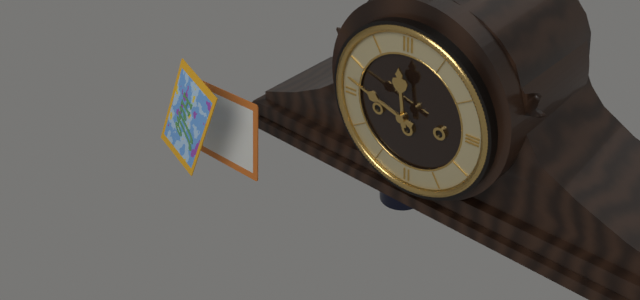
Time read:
11h48
